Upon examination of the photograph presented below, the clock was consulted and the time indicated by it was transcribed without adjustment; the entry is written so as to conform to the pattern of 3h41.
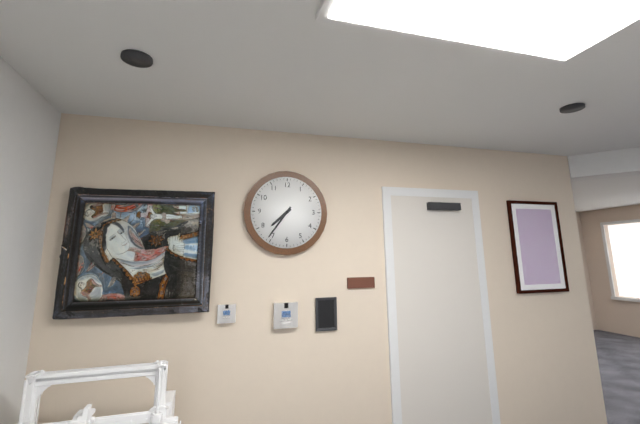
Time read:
7h36
